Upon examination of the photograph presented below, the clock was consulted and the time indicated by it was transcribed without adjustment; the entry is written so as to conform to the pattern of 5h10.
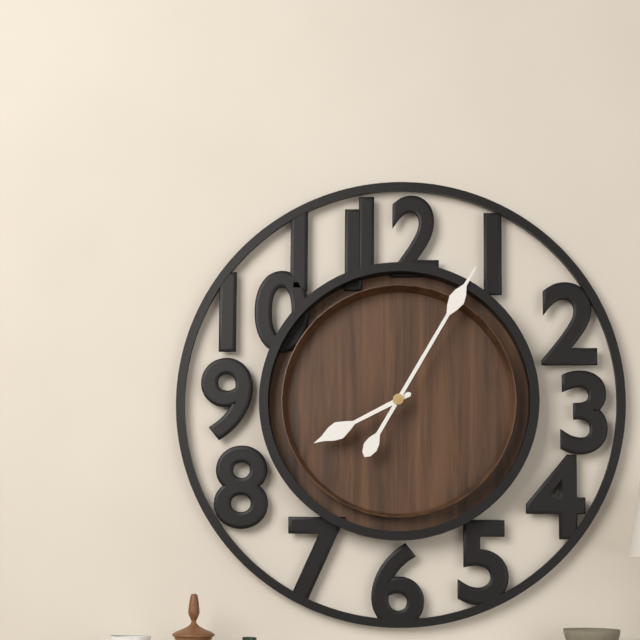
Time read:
8h05
